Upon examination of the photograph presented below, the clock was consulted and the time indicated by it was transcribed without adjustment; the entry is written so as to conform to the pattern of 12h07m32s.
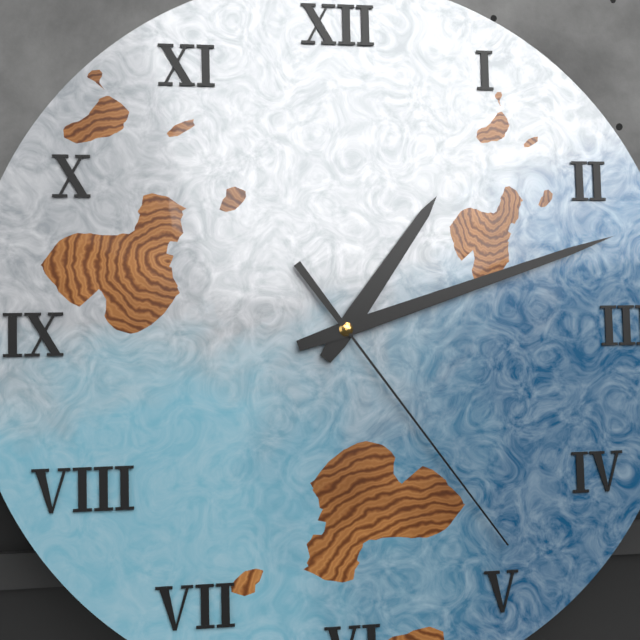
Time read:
1h12m24s
